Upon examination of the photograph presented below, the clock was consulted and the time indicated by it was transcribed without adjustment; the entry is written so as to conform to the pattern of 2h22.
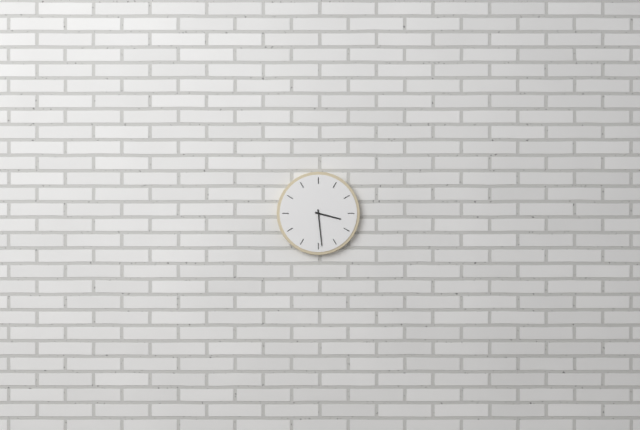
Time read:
3h29
